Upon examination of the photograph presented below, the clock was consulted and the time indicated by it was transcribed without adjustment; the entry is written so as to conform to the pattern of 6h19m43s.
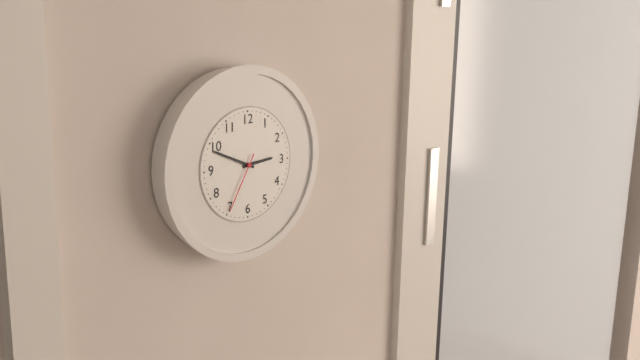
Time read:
2h49m35s
